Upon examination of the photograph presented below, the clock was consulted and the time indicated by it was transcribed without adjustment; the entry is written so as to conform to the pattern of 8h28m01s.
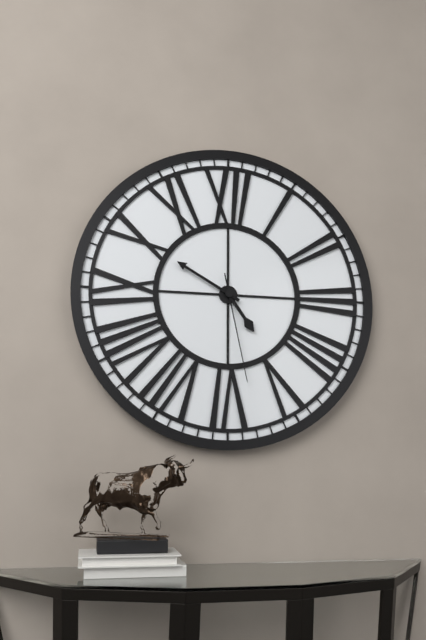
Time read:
4h50m28s
